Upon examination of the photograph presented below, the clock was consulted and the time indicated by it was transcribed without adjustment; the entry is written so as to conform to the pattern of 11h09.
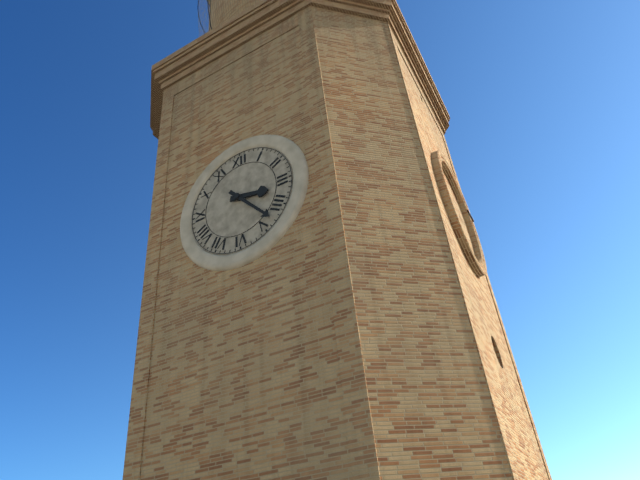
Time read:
3h23
